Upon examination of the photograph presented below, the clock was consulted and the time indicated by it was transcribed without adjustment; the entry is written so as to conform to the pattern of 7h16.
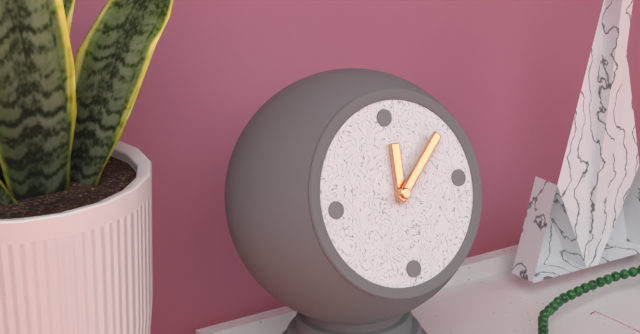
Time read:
12h08
